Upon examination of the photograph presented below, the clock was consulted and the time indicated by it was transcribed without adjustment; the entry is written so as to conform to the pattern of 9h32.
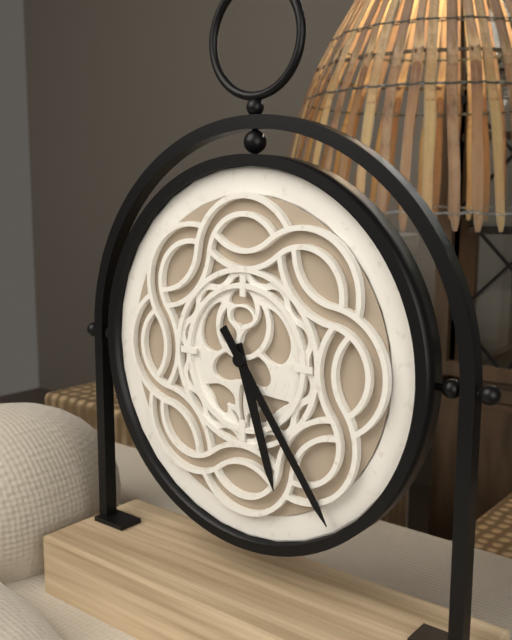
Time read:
5h24
